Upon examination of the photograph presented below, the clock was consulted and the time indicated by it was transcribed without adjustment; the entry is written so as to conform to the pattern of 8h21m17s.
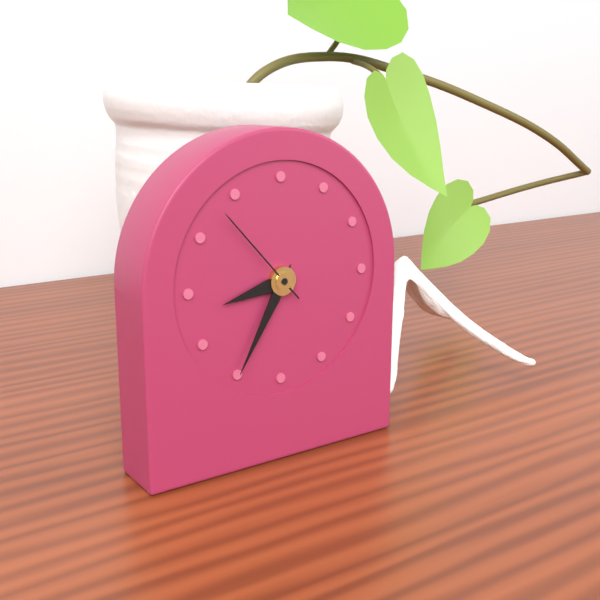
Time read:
8h35m53s
